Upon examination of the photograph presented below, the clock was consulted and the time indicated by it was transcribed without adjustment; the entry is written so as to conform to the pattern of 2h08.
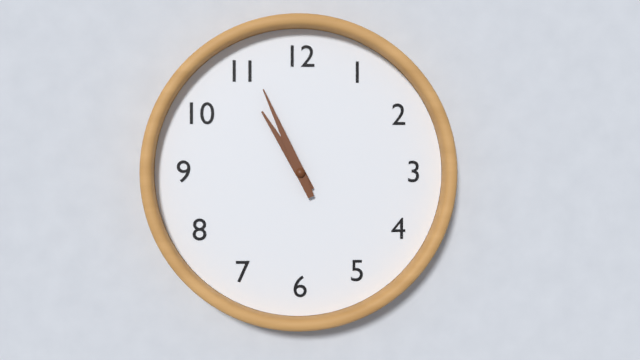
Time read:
10h56
